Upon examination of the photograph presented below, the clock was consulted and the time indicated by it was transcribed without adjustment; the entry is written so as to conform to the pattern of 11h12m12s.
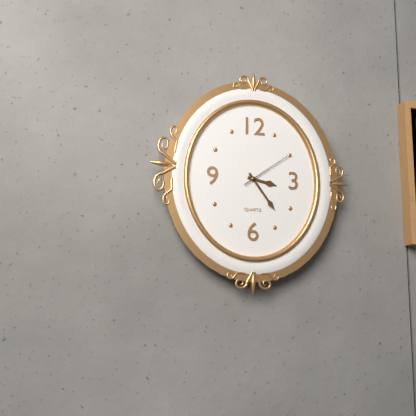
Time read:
3h24m09s
